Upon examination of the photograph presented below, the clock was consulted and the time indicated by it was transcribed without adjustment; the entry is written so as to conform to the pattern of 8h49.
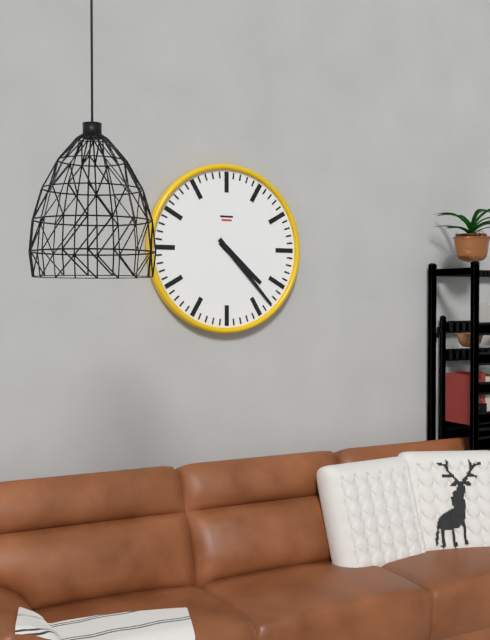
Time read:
4h23
